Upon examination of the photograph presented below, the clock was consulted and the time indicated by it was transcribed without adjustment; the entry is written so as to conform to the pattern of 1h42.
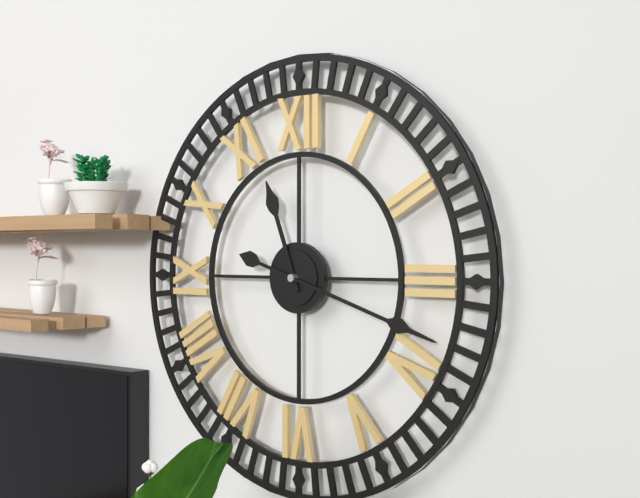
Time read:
11h18
